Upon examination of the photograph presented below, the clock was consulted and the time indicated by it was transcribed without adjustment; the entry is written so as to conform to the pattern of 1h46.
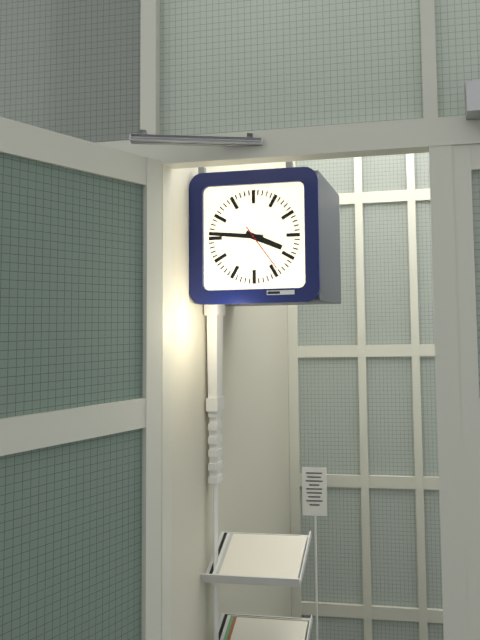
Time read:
3h46
